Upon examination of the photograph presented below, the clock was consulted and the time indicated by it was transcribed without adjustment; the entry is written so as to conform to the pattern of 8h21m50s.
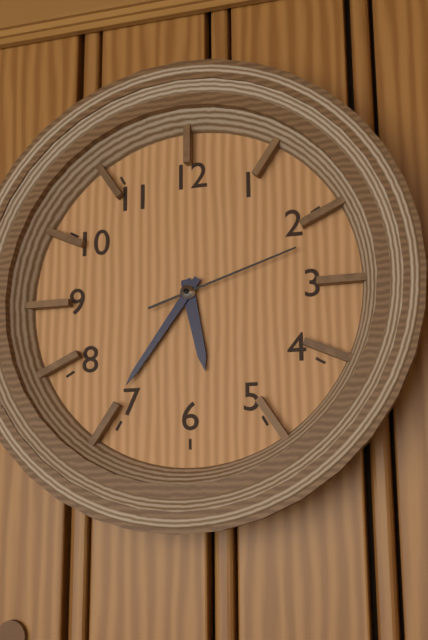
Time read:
5h36m12s
